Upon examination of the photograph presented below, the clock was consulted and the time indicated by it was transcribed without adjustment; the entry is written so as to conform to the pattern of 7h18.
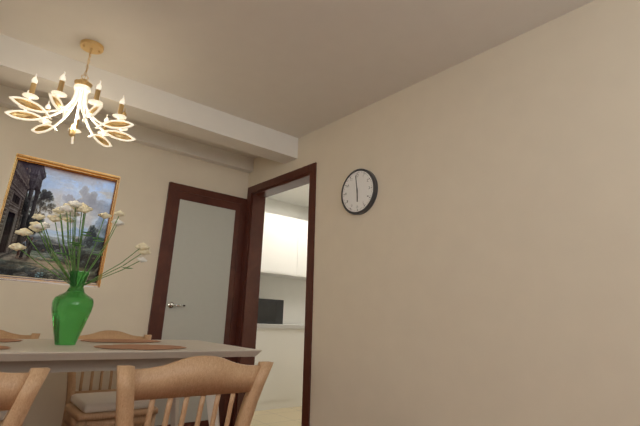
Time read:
5h59
